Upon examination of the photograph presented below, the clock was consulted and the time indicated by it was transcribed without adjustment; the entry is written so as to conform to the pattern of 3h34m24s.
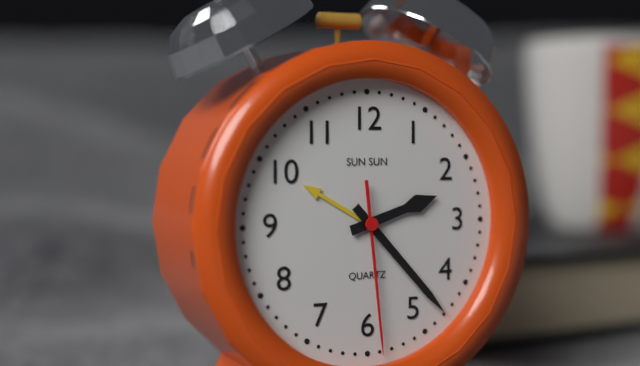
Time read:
2h23m29s
